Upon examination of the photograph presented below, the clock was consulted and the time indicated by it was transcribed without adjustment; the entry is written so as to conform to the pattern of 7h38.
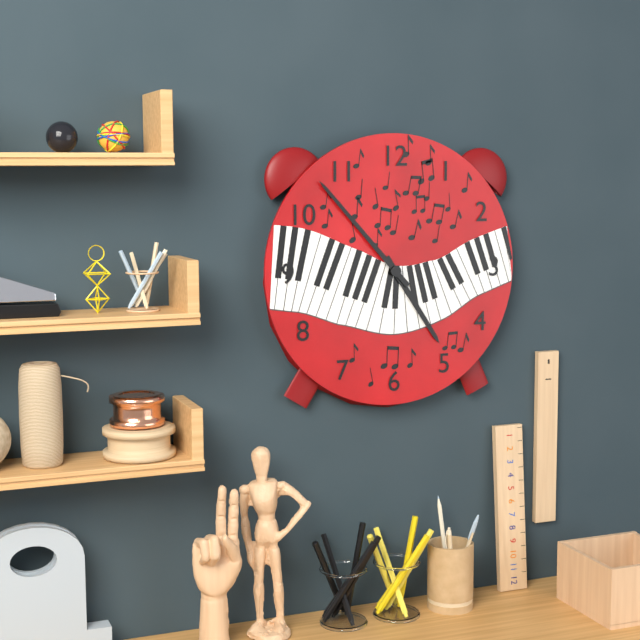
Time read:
4h53
